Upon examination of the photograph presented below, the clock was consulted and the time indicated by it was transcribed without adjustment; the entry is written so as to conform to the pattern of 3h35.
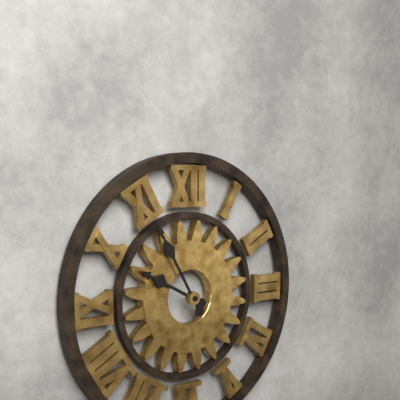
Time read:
9h55
